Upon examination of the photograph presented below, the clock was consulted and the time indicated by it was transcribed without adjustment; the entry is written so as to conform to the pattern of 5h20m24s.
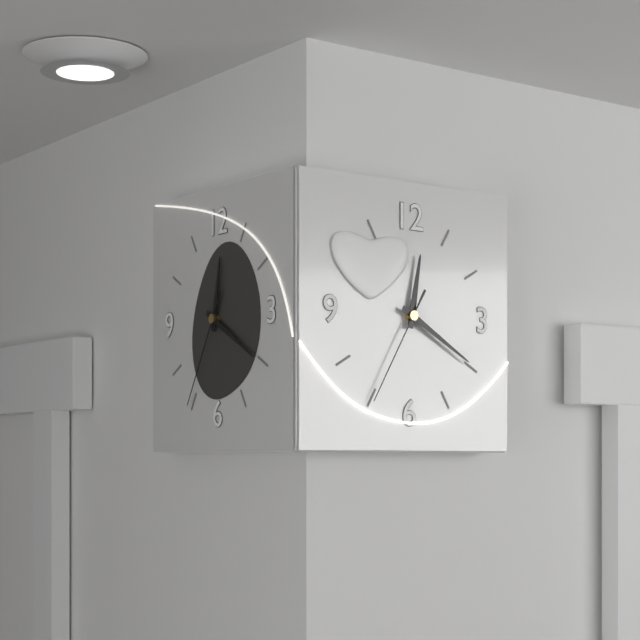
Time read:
12h20m35s
